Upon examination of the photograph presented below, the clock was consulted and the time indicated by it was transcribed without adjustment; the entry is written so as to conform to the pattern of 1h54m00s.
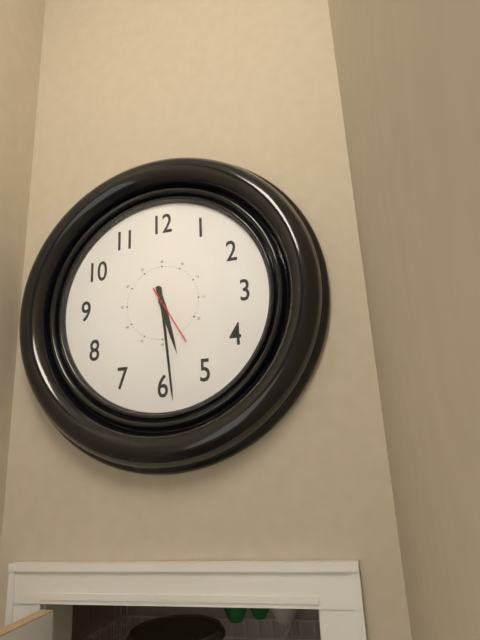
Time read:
5h29m25s
